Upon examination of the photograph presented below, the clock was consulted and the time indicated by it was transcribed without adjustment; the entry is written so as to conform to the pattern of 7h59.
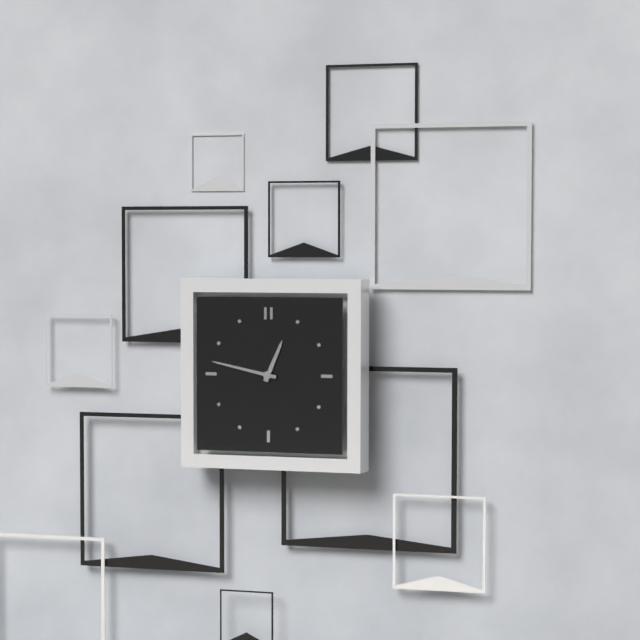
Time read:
12h47
